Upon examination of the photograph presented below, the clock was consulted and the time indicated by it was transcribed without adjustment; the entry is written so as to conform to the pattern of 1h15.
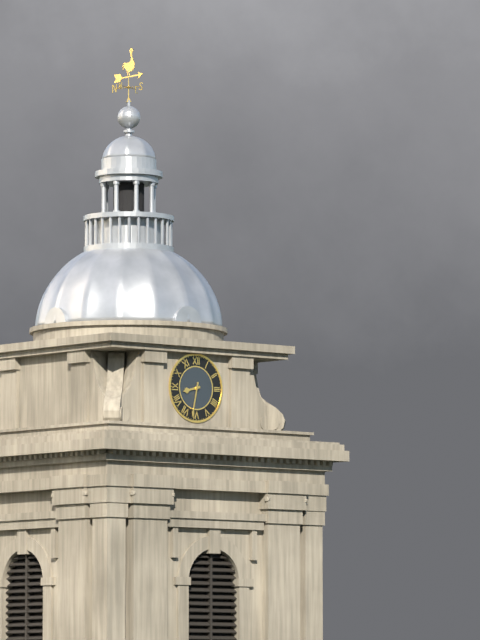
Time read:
8h32
